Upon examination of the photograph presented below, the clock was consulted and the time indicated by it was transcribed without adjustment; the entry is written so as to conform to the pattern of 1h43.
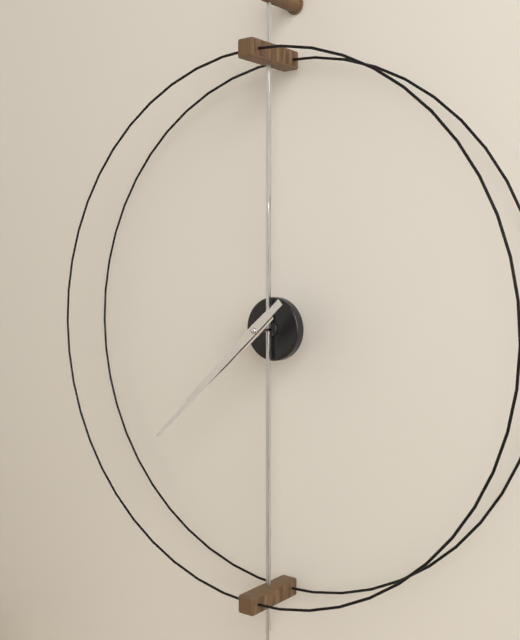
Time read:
7h38
